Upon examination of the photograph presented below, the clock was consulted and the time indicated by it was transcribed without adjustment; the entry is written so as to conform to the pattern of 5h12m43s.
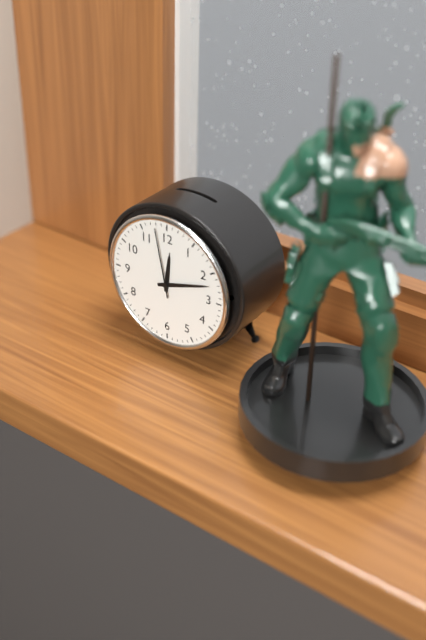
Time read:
12h12m58s
